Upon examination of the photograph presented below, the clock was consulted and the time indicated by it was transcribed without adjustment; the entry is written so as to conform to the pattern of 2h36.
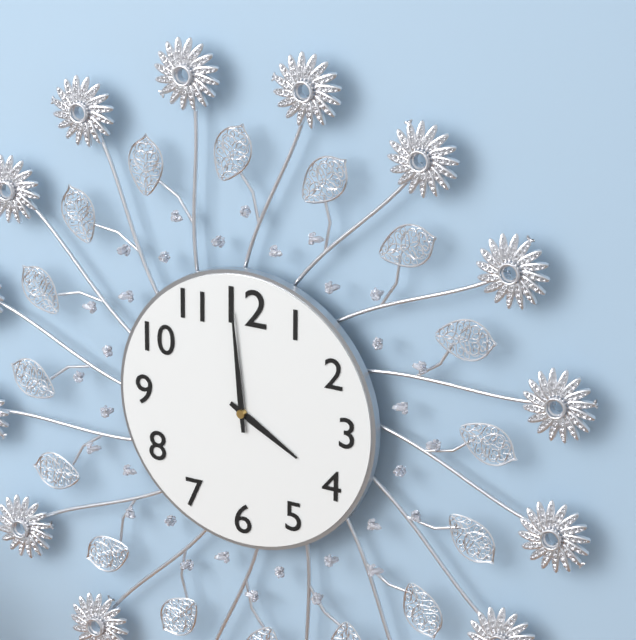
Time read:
3h59
